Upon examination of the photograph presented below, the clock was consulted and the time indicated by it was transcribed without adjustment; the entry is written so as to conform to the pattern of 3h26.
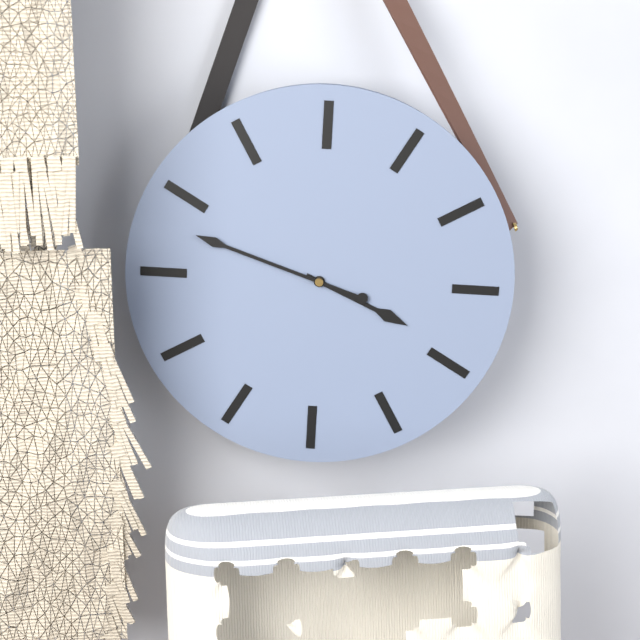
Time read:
3h48
